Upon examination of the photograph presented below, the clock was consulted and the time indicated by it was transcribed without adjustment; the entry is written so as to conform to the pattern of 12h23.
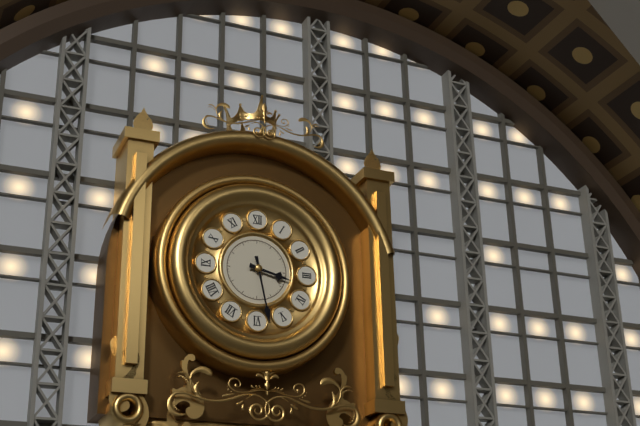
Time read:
3h28
